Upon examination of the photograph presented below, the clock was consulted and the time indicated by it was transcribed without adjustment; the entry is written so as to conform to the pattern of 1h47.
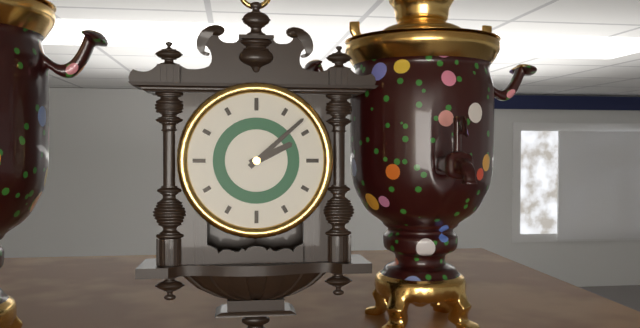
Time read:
2h08
